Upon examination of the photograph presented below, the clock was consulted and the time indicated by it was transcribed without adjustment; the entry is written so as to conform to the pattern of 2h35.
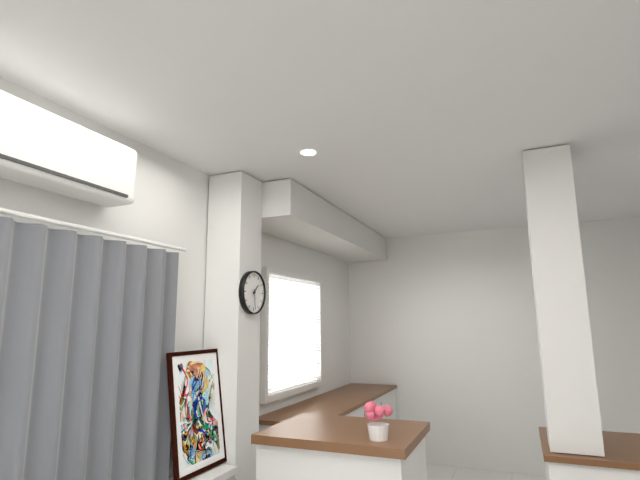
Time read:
1h29
